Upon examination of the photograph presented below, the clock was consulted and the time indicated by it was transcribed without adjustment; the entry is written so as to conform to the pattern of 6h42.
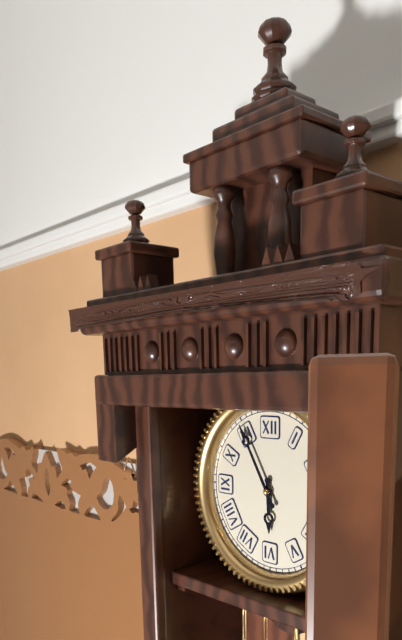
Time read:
5h55
